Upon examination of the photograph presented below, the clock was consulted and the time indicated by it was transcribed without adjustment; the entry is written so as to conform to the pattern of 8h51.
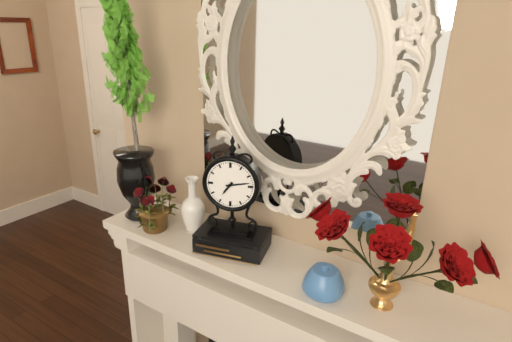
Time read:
7h13
